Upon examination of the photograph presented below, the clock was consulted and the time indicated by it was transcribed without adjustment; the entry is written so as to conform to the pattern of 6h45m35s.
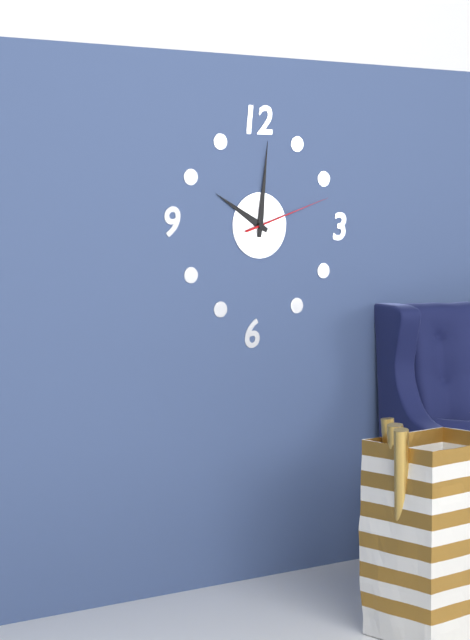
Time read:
10h01m12s
